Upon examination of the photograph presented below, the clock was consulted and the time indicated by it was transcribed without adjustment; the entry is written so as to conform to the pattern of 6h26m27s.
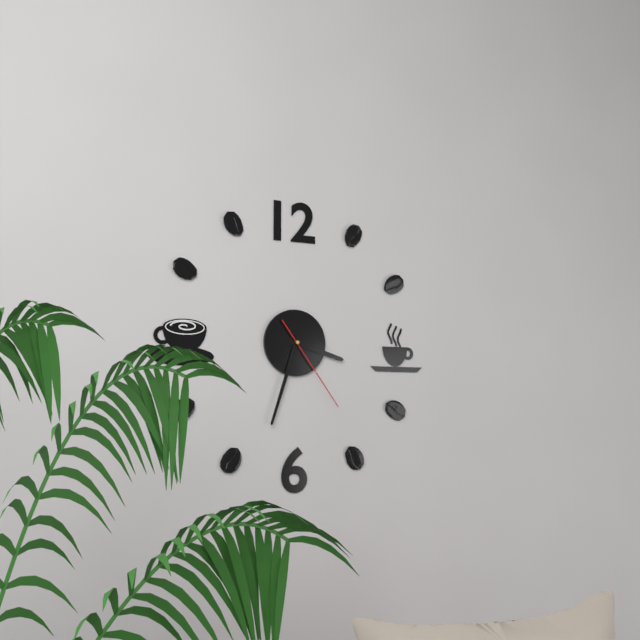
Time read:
3h33m24s
